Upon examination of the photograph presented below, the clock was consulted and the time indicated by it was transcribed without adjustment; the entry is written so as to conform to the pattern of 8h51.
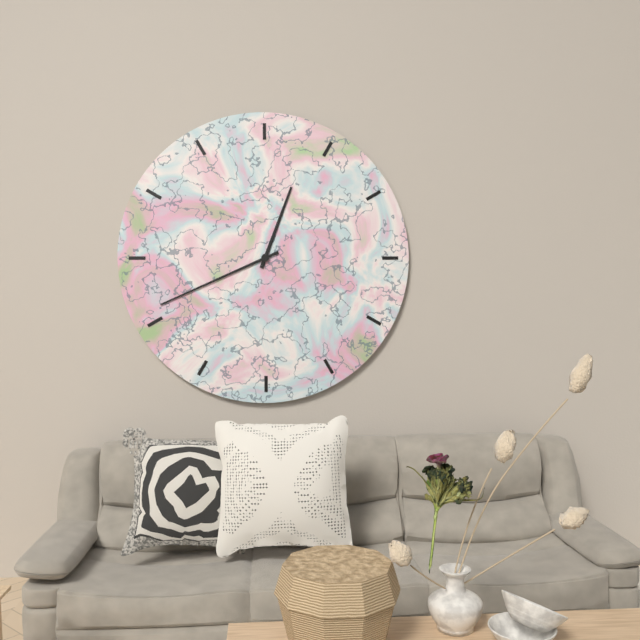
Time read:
12h41
